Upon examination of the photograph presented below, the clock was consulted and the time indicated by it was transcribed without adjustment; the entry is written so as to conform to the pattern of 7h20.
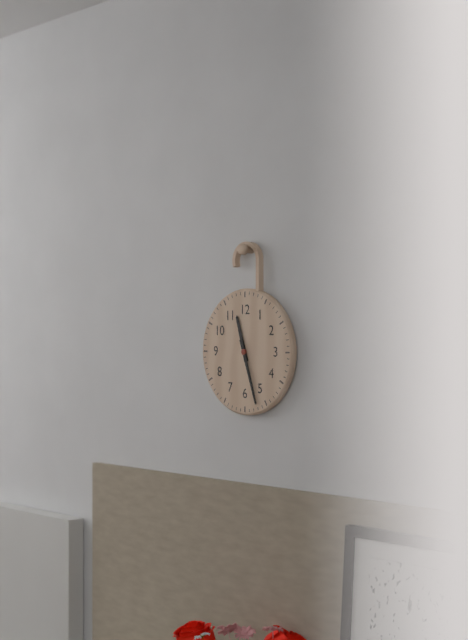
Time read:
11h27
